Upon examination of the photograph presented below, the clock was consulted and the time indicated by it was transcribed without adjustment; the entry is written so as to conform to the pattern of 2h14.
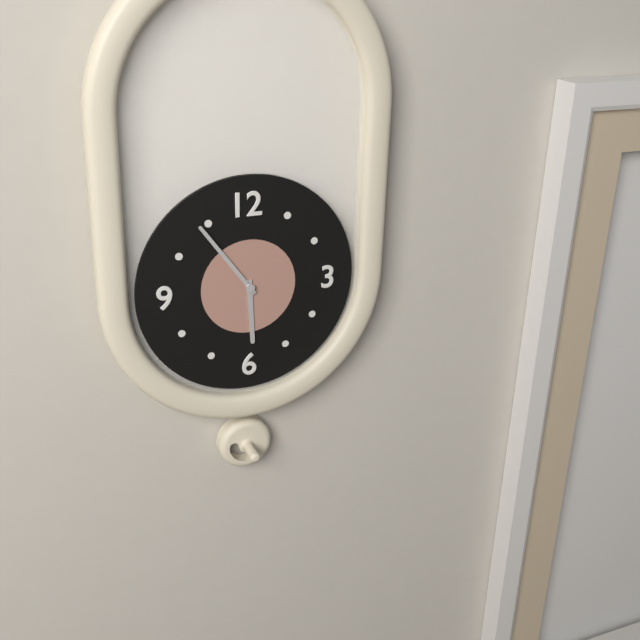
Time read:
5h54
